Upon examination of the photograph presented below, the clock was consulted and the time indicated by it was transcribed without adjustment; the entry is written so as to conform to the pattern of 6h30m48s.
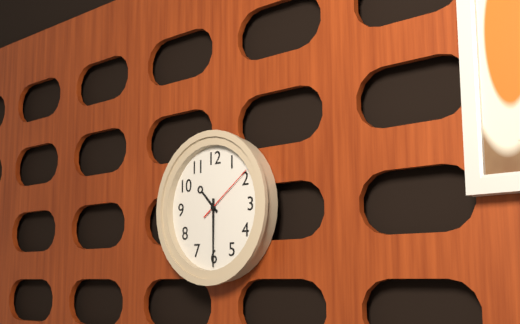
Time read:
10h30m09s
